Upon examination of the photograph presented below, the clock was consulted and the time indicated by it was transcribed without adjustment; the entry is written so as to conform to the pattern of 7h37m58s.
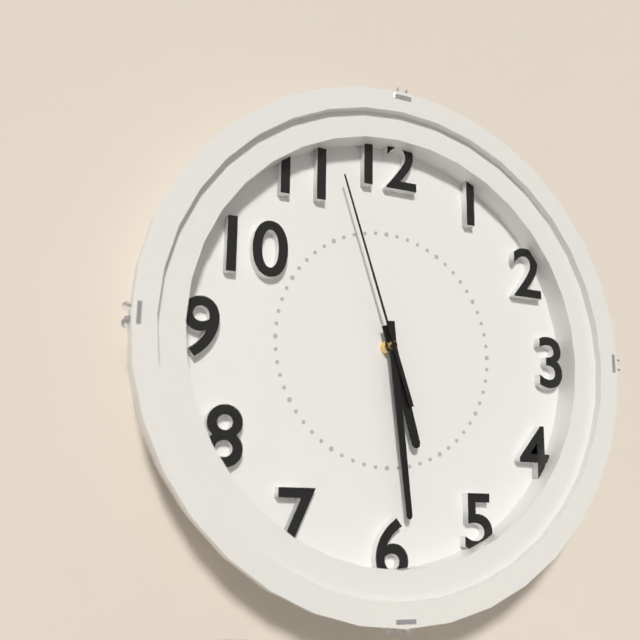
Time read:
5h29m57s
